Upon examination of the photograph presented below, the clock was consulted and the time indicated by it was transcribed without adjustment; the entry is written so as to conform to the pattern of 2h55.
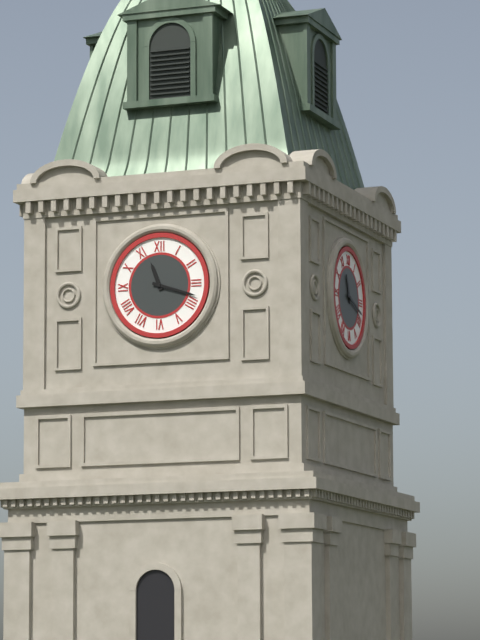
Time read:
11h18
